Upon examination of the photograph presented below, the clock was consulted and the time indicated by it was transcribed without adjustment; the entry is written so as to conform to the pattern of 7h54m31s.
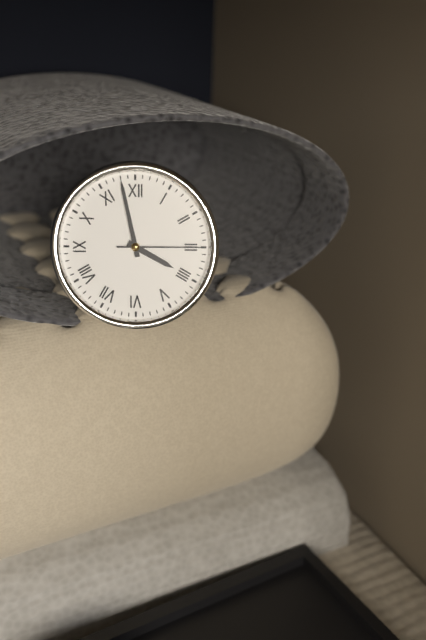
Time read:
3h58m15s
